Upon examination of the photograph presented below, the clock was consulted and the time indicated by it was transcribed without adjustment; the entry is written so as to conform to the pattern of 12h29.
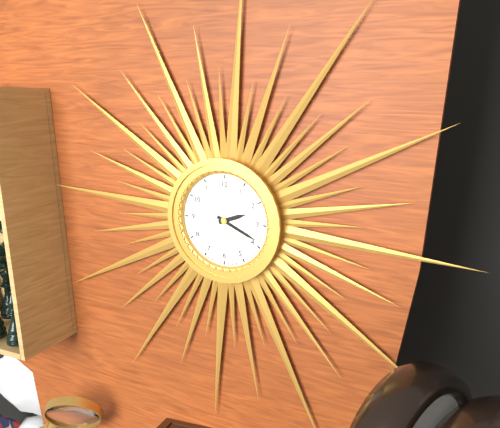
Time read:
2h19
